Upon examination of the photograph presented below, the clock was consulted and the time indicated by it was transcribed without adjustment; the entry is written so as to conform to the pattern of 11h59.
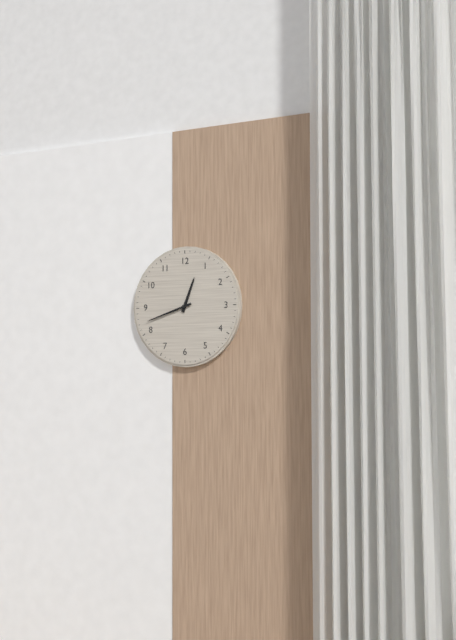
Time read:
12h42
